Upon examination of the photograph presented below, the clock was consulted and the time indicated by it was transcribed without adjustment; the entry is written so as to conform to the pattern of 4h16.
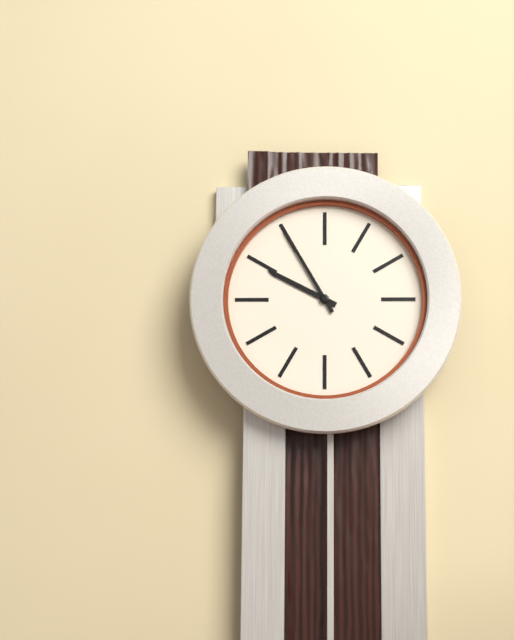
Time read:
9h55
